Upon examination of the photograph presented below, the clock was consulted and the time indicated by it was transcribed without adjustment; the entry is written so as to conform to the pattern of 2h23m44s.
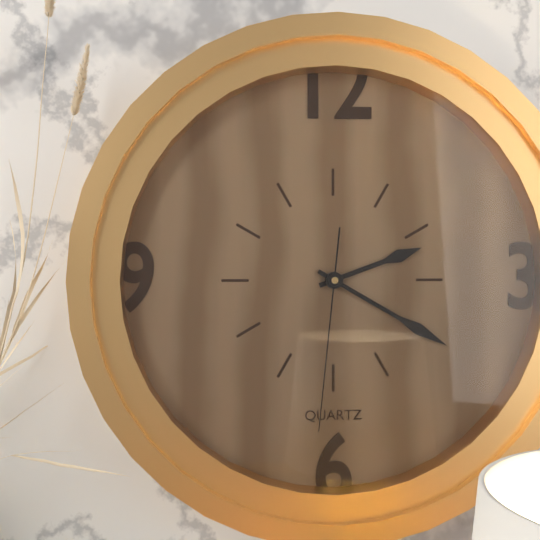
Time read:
2h20m31s
